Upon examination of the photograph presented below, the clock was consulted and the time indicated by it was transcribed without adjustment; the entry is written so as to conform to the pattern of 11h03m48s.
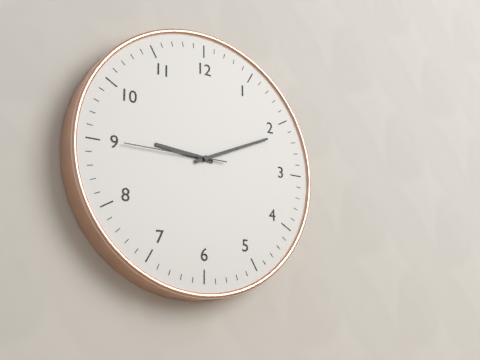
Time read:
9h11m45s
